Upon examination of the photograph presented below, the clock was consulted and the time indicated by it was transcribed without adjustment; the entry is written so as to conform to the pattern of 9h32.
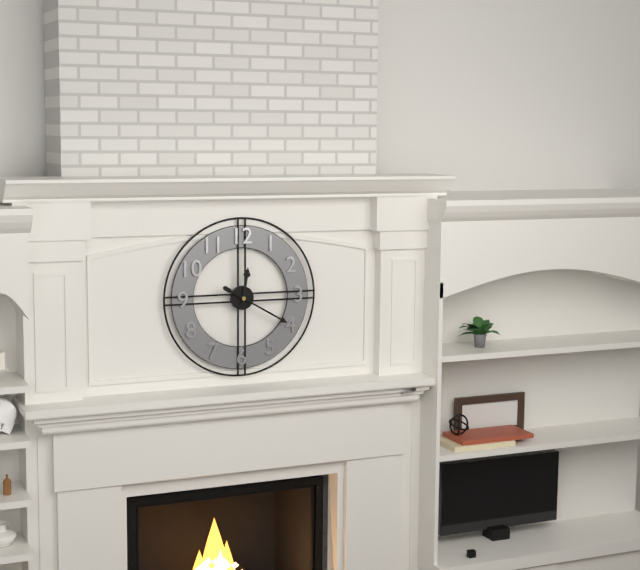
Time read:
12h20
